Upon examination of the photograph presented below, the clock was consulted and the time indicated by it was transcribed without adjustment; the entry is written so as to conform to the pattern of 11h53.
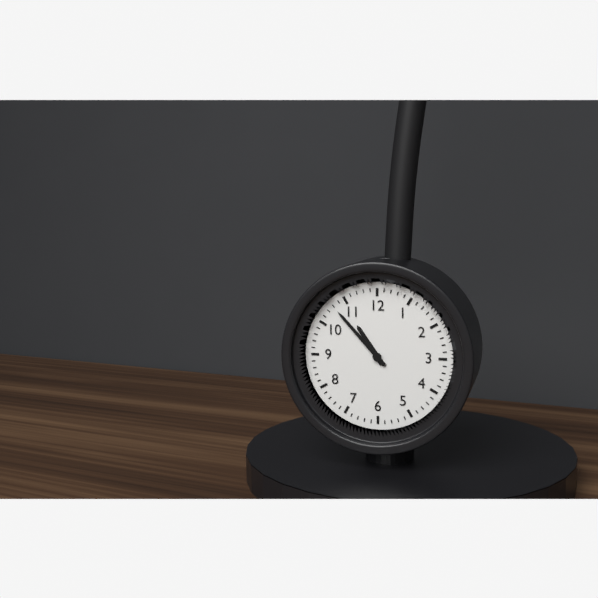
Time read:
10h53
